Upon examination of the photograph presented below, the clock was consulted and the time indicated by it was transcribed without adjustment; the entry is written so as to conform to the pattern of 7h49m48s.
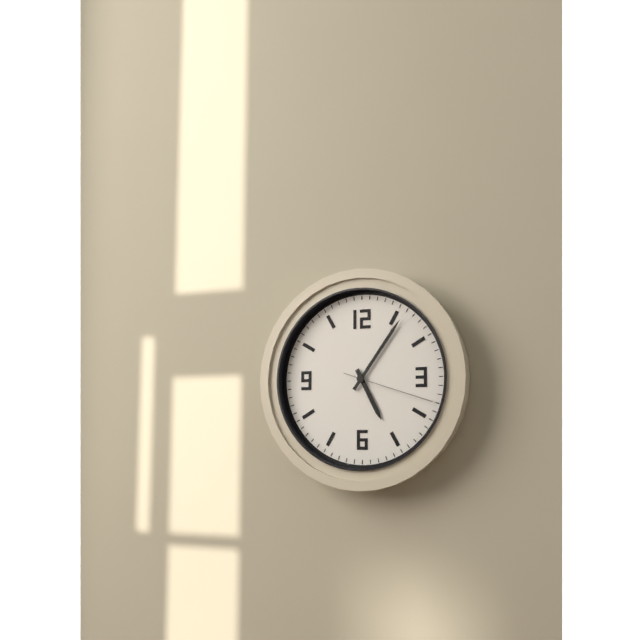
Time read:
5h06m18s
